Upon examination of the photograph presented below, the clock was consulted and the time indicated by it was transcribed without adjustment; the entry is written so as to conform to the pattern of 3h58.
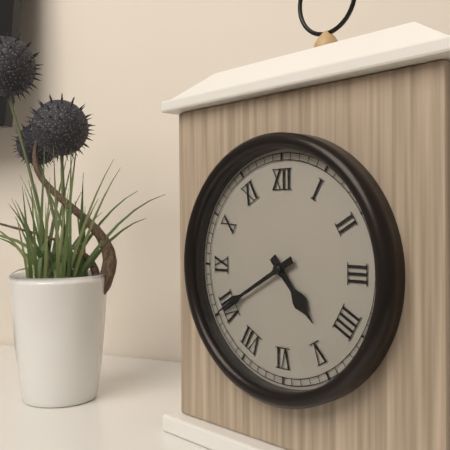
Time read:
4h40
